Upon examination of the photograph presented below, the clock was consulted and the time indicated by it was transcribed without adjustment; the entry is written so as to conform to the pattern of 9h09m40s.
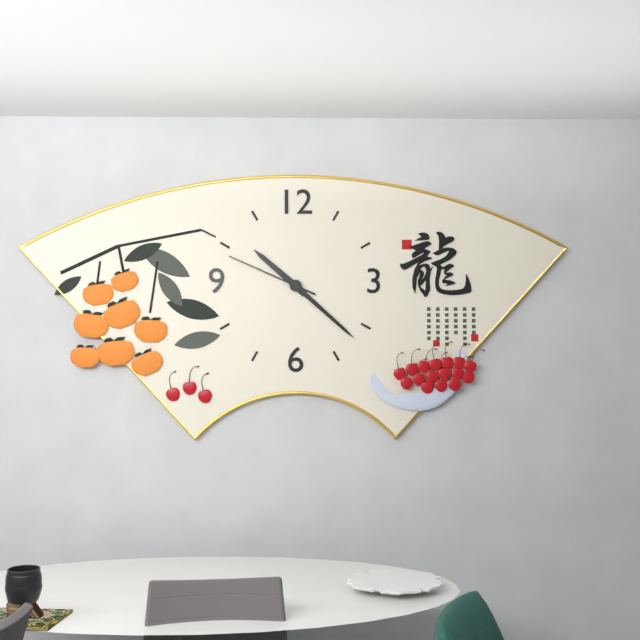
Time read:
10h22m49s
